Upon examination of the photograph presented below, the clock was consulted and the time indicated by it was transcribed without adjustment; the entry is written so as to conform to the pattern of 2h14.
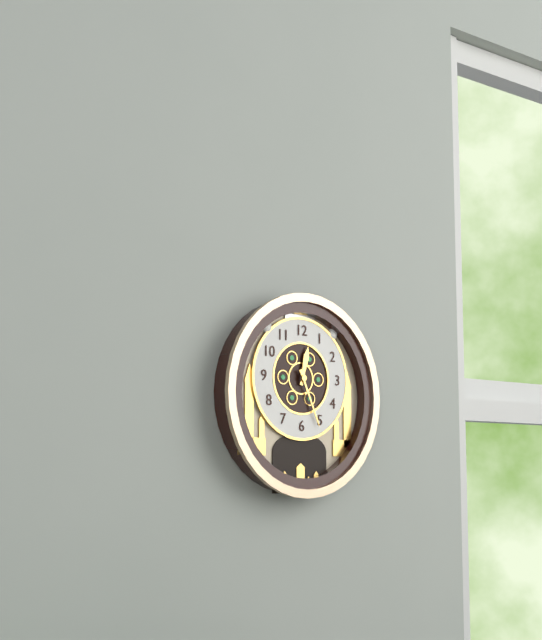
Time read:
12h26
